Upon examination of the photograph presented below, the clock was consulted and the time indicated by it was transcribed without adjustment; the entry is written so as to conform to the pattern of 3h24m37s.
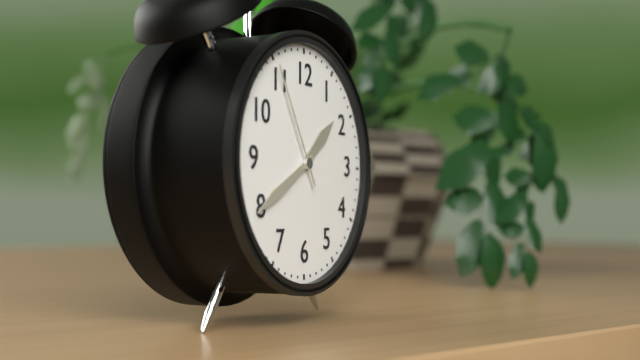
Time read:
1h40m55s
